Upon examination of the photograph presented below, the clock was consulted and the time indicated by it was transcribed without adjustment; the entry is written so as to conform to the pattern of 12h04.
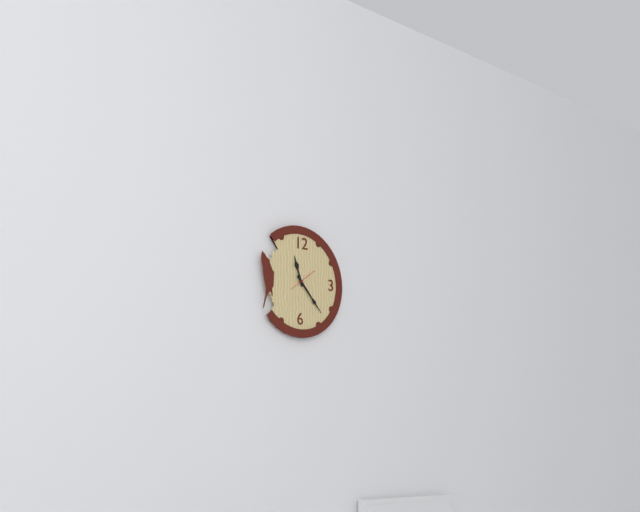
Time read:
11h23
